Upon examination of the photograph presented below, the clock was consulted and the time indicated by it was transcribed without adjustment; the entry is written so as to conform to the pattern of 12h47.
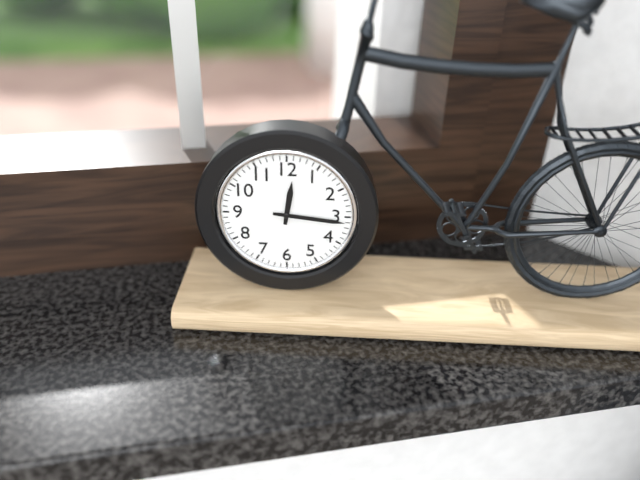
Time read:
12h16
